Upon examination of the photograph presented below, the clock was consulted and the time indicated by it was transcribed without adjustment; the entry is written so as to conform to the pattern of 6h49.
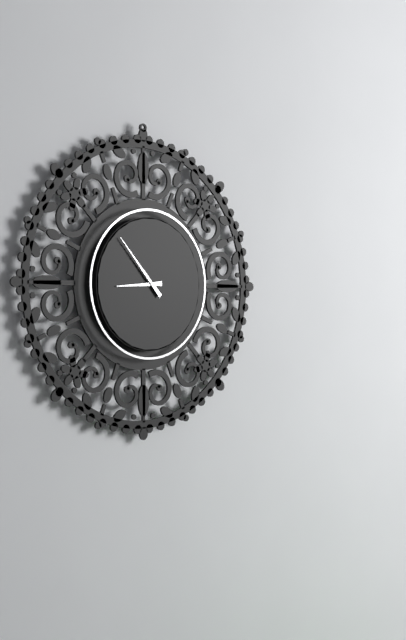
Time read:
8h53
